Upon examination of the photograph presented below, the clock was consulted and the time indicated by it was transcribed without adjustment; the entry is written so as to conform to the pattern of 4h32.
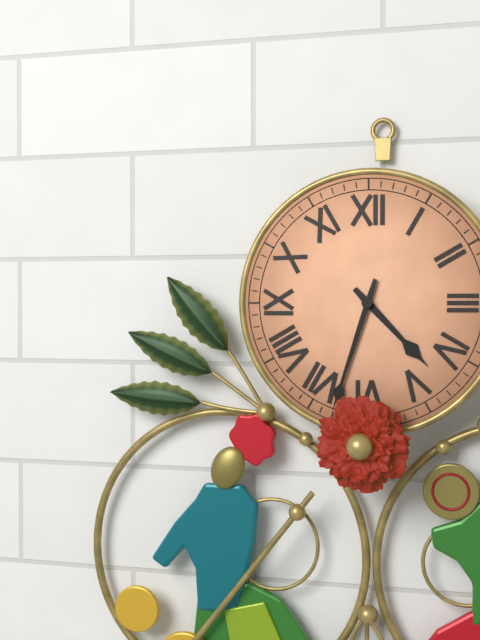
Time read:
4h33
